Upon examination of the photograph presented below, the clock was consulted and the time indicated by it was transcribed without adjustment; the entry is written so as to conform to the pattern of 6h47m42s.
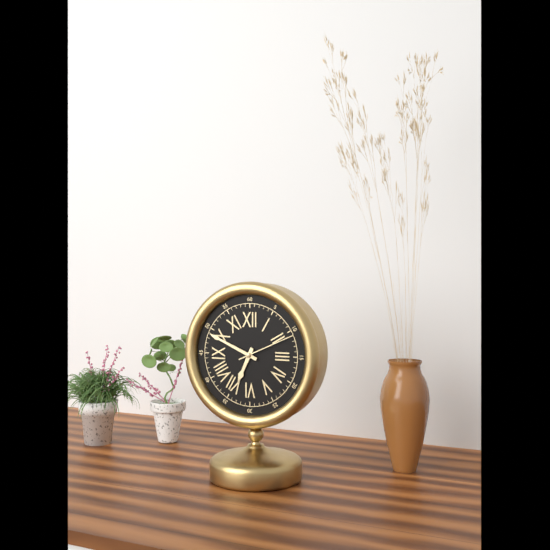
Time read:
6h49m11s
